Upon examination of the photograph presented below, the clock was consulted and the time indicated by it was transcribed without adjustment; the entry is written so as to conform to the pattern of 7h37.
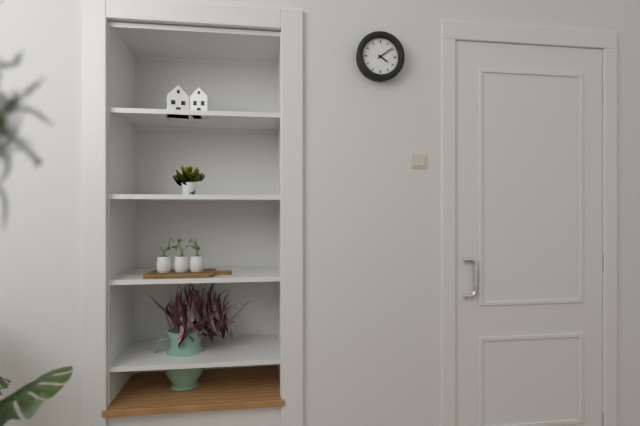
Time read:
4h09
